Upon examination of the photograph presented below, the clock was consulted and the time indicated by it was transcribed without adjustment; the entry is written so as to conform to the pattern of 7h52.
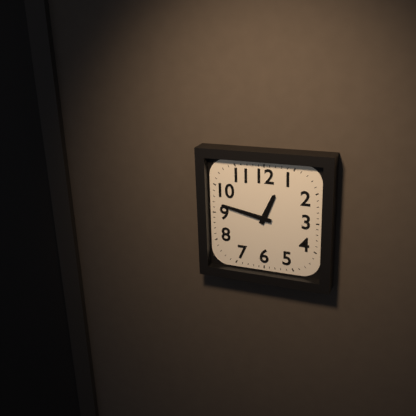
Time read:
12h47
